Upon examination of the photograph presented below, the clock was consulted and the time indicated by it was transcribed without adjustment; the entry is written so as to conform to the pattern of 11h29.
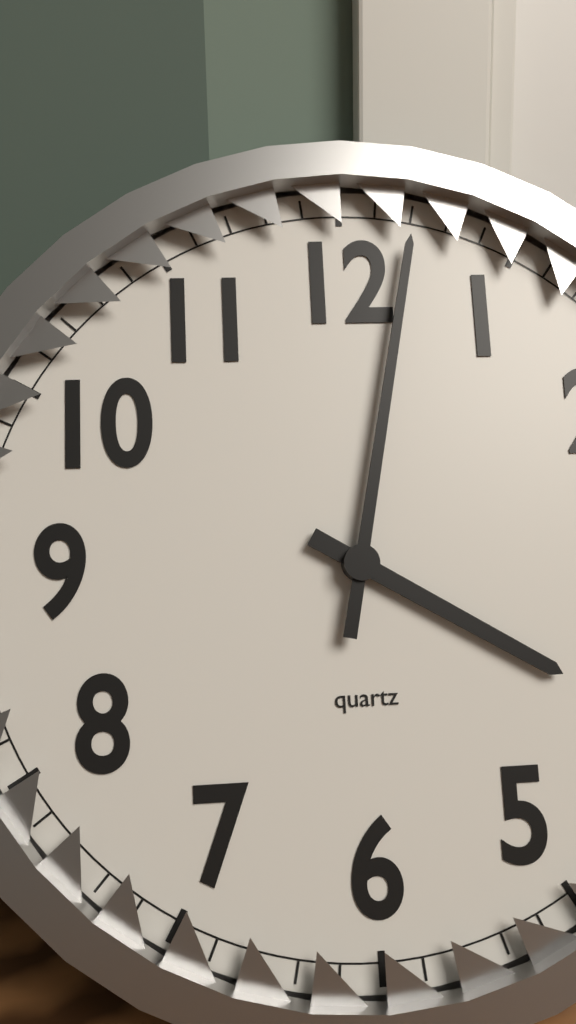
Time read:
4h02
